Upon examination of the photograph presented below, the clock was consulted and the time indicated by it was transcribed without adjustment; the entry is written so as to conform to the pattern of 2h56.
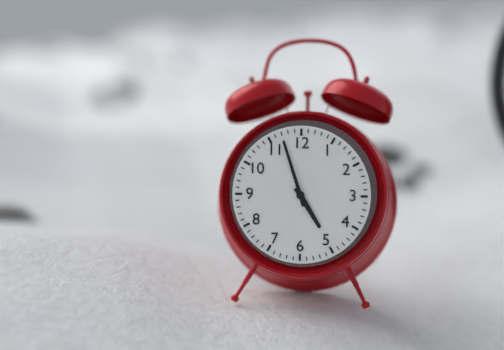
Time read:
4h57
